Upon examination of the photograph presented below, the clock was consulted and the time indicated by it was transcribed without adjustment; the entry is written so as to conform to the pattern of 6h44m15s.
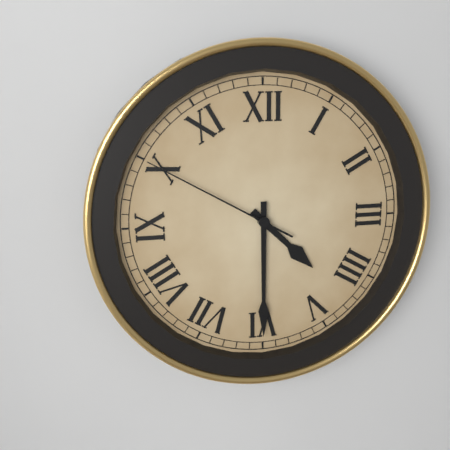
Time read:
4h30m50s
